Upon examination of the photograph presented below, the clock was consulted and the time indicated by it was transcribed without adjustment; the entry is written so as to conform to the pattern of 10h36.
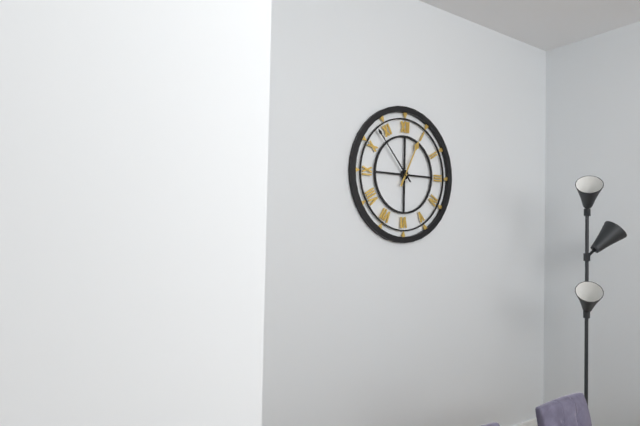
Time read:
12h53
